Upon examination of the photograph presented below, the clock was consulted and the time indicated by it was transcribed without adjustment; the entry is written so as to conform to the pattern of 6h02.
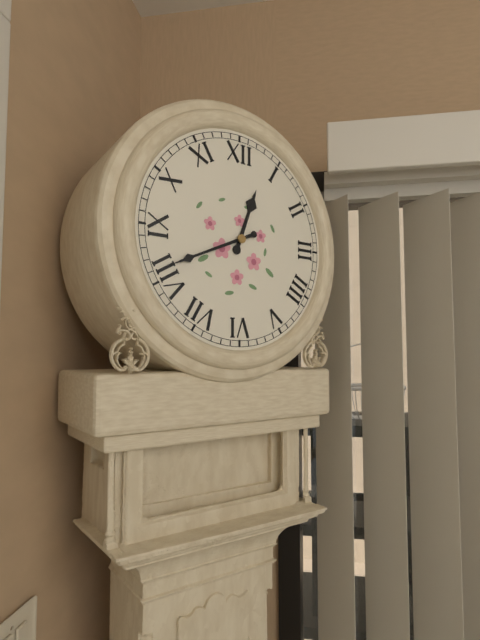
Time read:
12h41
